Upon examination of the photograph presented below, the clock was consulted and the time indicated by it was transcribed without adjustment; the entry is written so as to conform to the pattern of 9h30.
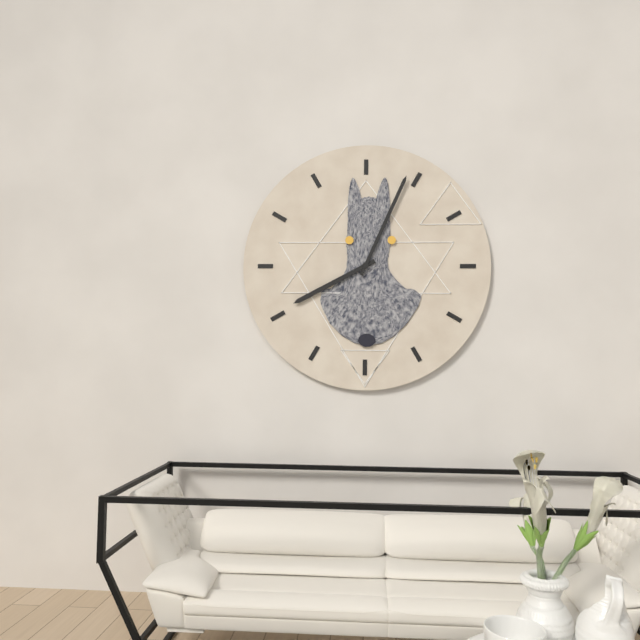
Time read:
8h04
